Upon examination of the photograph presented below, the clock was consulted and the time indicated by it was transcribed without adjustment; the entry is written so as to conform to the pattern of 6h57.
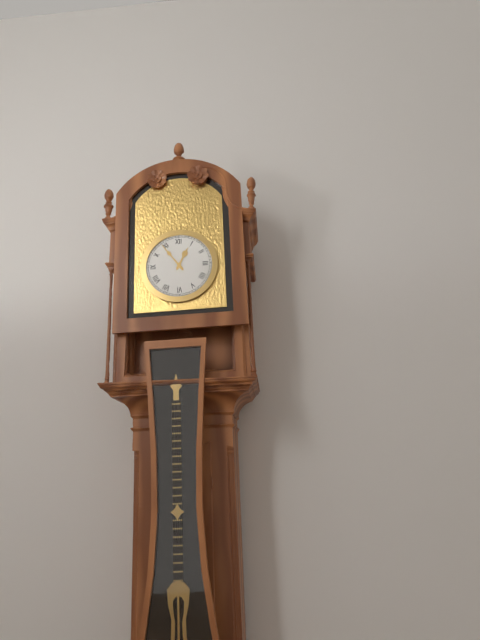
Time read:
12h54
